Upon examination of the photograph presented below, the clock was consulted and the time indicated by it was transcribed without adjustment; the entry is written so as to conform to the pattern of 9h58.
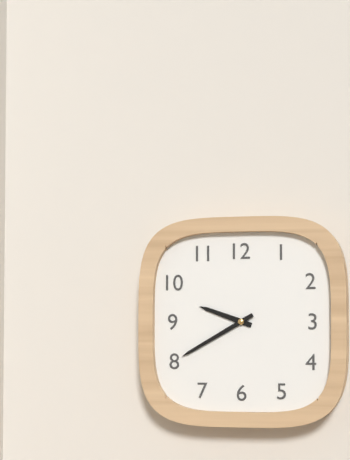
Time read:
9h40
